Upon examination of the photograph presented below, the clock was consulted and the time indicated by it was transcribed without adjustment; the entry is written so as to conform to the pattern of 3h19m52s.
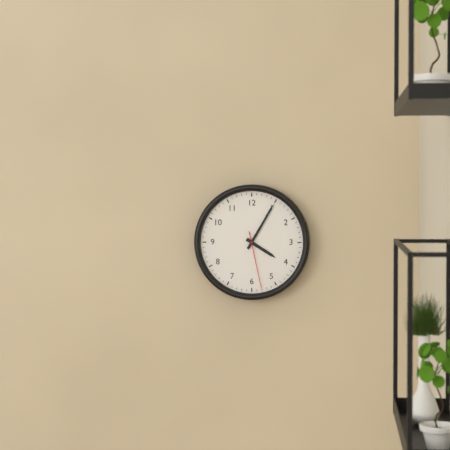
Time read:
4h05m28s
